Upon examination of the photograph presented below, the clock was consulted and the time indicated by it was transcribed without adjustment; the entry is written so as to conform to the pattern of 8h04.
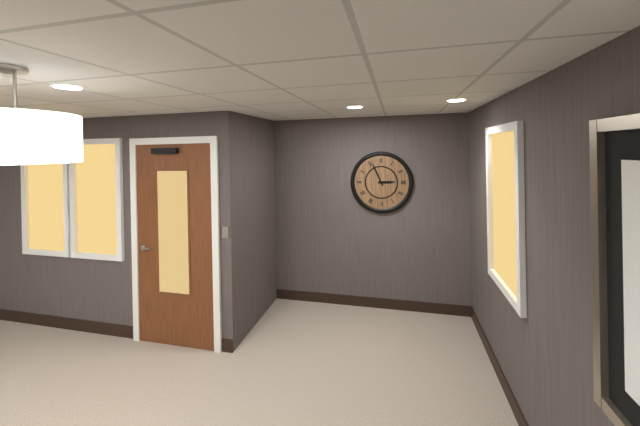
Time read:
2h56
